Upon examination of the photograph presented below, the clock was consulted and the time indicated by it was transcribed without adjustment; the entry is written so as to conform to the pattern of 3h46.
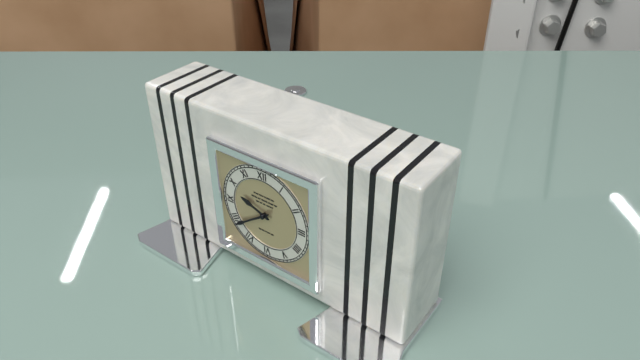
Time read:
9h39
